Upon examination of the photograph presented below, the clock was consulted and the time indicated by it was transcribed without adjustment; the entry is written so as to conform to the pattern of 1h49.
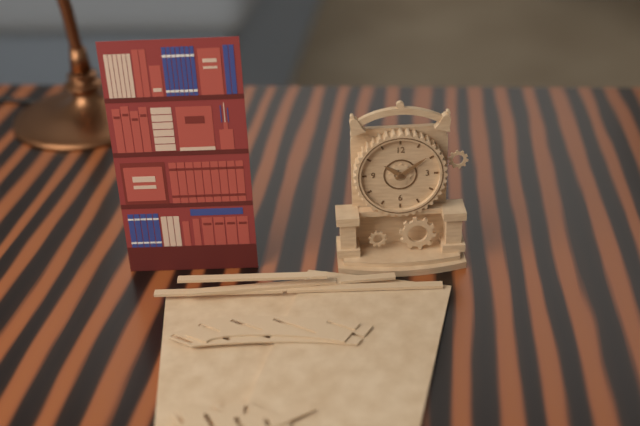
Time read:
10h09
